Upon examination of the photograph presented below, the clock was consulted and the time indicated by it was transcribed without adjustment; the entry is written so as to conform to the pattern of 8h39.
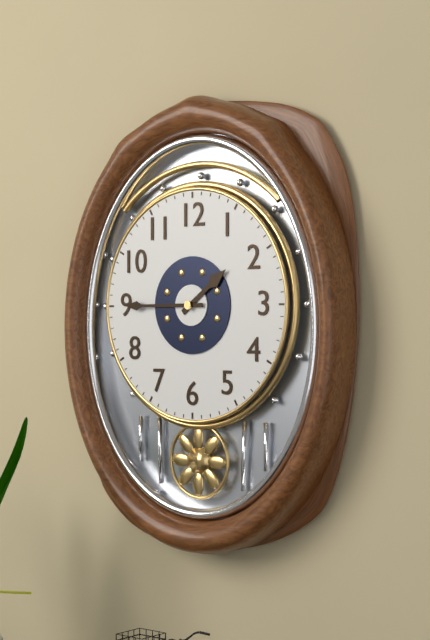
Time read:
1h45
